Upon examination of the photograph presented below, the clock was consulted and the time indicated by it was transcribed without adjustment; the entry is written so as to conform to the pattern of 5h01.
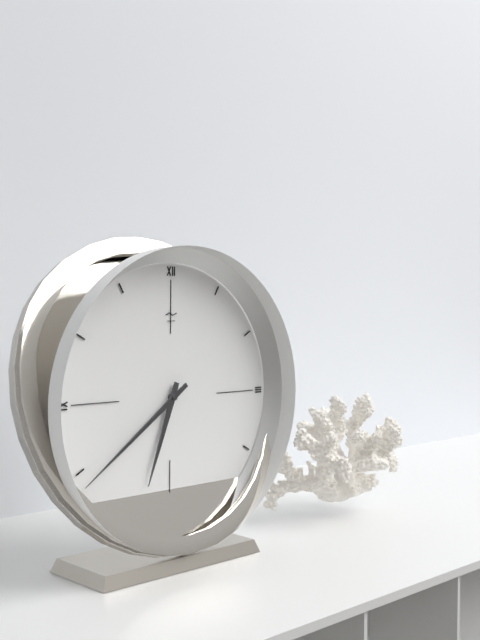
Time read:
6h39
